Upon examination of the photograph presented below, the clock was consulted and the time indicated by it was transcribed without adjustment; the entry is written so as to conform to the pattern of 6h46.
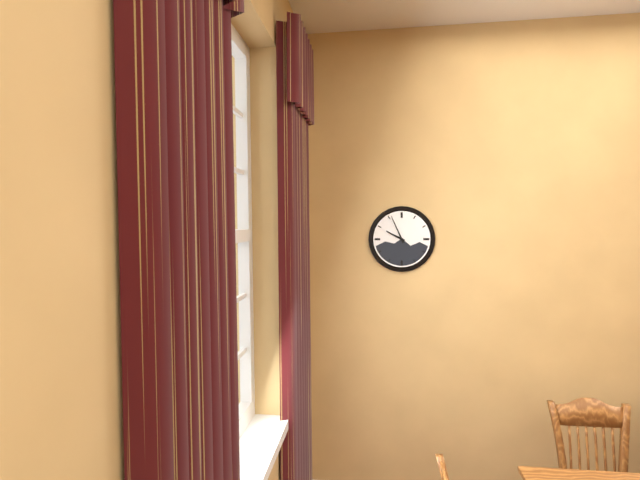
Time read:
9h56
